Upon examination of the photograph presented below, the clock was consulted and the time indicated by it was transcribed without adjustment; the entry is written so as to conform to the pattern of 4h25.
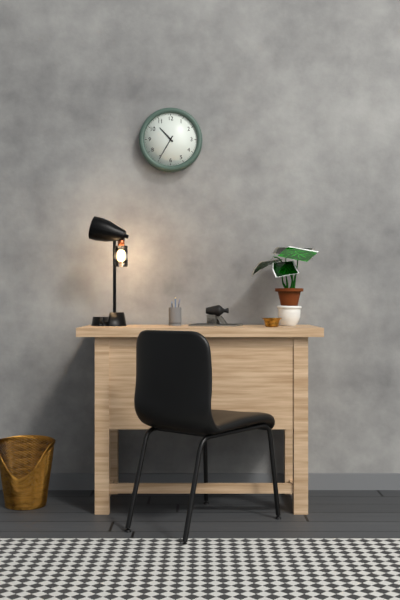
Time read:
10h35
